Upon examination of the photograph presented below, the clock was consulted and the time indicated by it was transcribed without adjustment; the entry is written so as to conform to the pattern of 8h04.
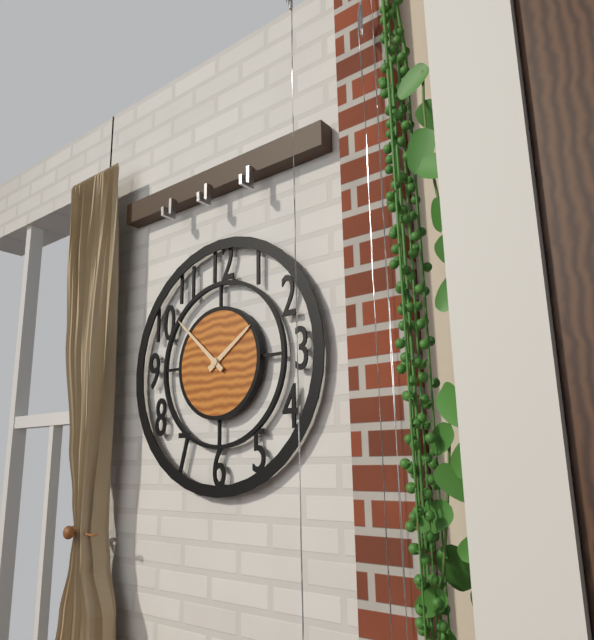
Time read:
1h52
